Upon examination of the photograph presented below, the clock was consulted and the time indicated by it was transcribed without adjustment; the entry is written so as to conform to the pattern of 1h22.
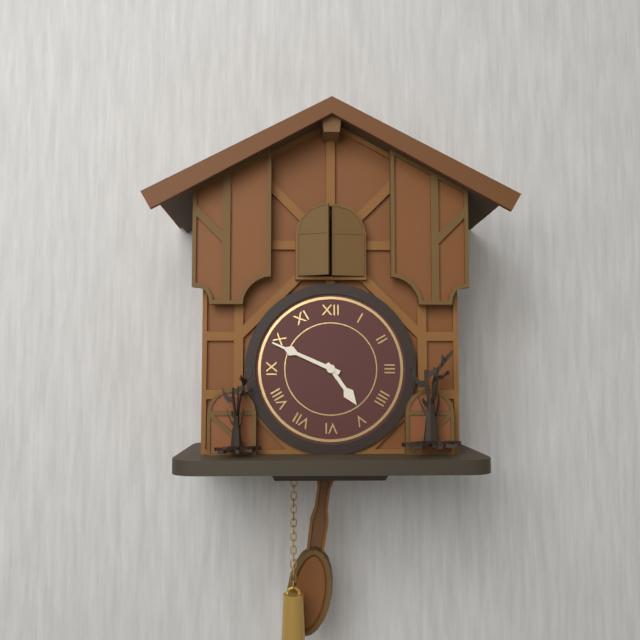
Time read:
4h49
